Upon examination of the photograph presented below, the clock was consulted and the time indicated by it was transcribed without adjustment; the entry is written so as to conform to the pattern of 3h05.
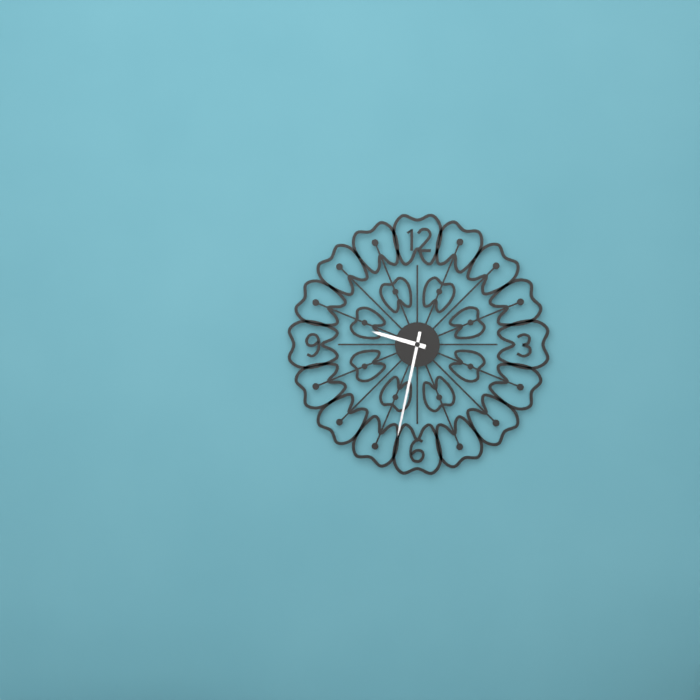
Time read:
9h32
